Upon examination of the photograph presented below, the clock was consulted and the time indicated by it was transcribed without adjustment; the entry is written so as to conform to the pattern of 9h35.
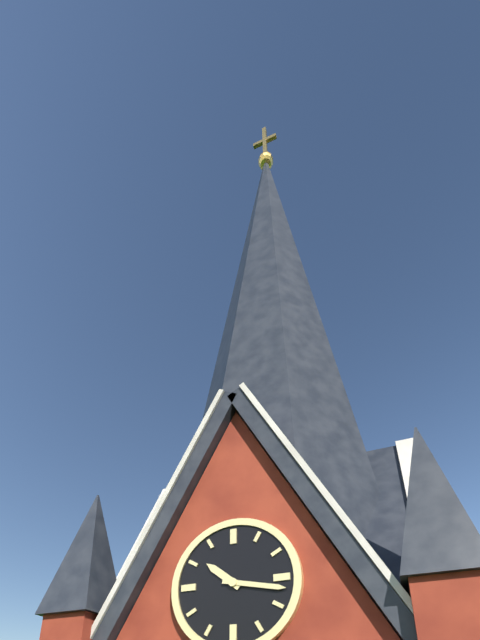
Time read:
10h17
